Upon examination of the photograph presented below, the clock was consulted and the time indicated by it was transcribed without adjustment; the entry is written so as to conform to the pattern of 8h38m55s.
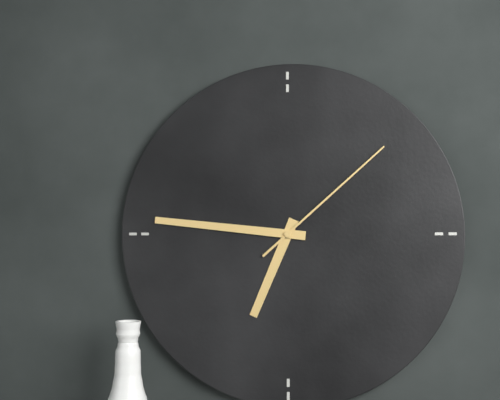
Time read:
6h46m08s
